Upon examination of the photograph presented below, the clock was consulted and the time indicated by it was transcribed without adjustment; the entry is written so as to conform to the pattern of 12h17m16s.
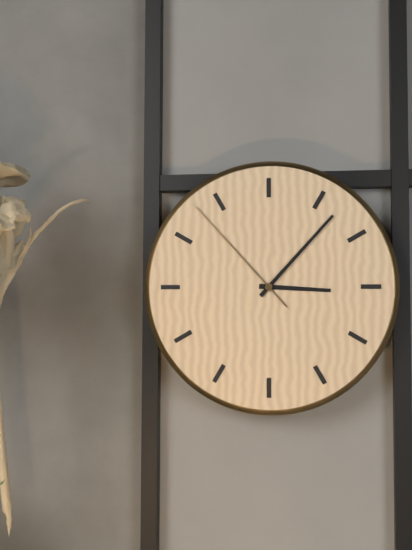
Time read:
3h07m53s
